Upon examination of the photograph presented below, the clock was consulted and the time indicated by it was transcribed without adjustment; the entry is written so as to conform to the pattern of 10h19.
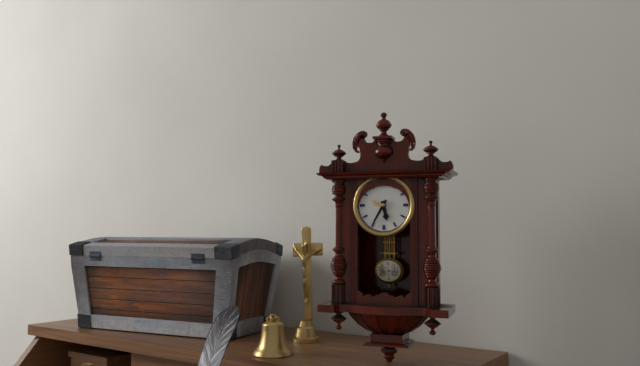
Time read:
5h35
